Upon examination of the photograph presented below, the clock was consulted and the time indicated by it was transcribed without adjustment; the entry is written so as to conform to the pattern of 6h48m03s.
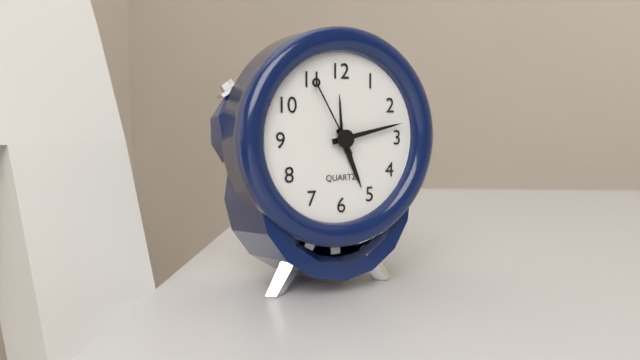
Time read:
5h13m55s
